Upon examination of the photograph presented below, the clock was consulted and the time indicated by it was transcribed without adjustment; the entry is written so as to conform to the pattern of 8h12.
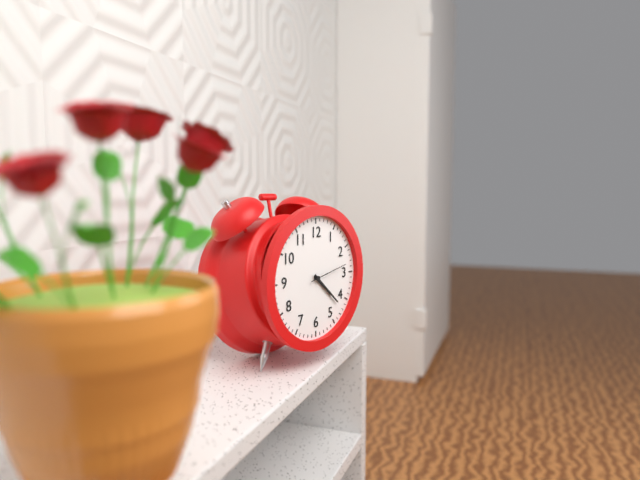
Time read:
4h22
